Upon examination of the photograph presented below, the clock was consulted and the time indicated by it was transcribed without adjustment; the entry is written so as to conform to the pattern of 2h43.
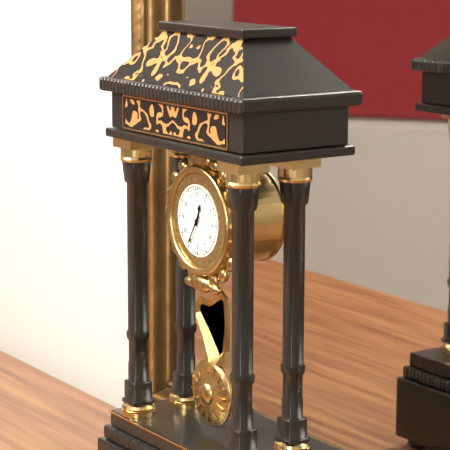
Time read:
12h35
